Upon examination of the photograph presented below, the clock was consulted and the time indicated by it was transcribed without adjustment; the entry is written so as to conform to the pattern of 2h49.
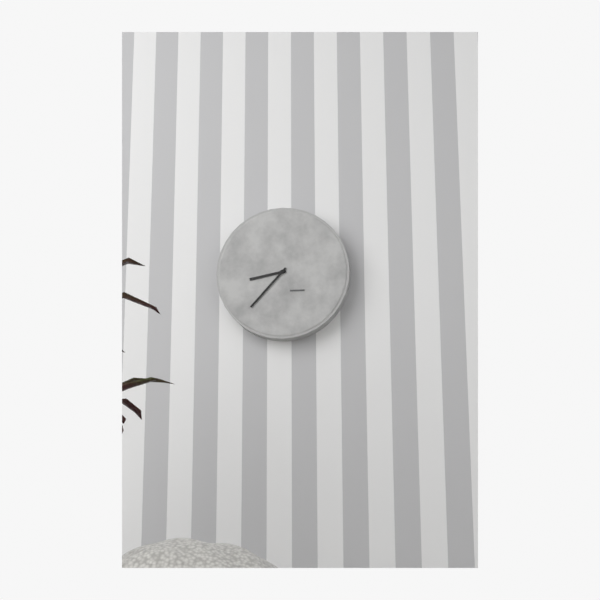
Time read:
8h37
